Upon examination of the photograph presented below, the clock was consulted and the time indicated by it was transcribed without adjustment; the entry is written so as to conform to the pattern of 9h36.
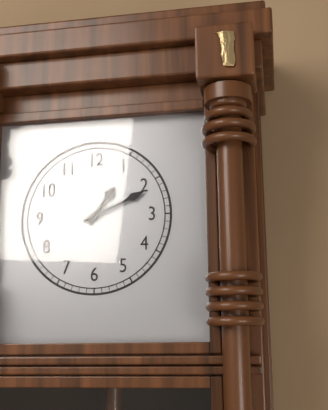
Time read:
1h11
